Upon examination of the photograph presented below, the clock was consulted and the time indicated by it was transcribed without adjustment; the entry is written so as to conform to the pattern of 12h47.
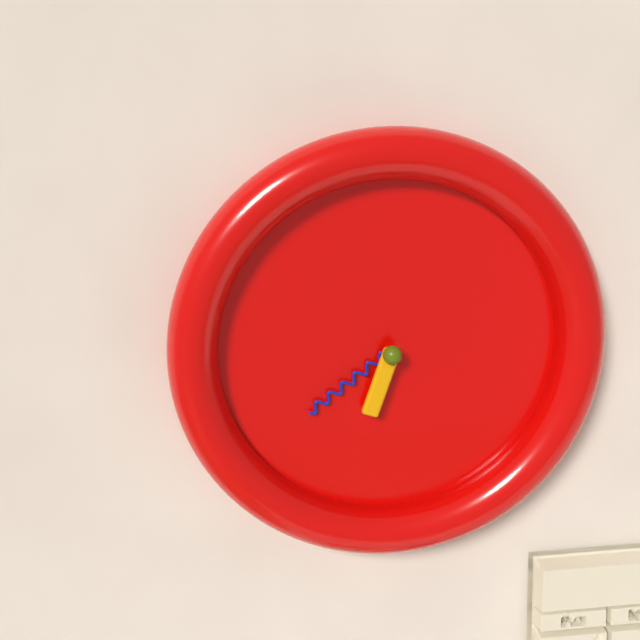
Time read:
6h39
